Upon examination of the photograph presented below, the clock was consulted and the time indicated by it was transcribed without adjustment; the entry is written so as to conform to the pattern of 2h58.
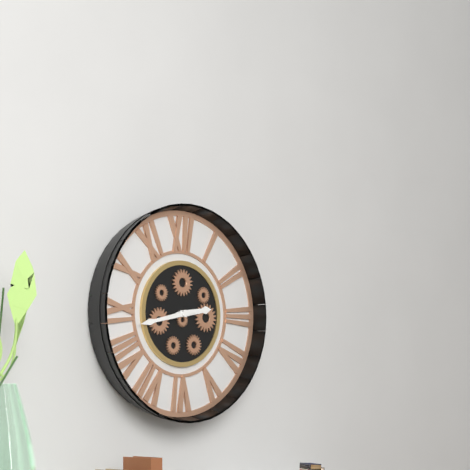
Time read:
2h43
